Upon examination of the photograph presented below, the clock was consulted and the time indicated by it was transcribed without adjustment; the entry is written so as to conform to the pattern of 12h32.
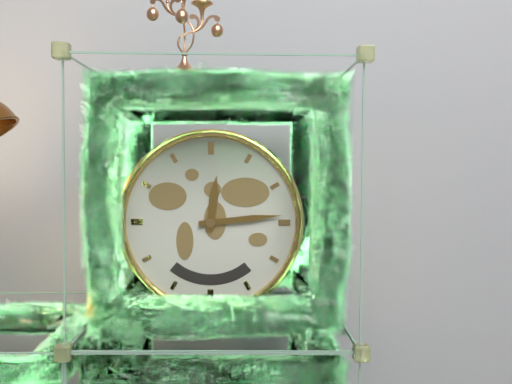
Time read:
12h14
